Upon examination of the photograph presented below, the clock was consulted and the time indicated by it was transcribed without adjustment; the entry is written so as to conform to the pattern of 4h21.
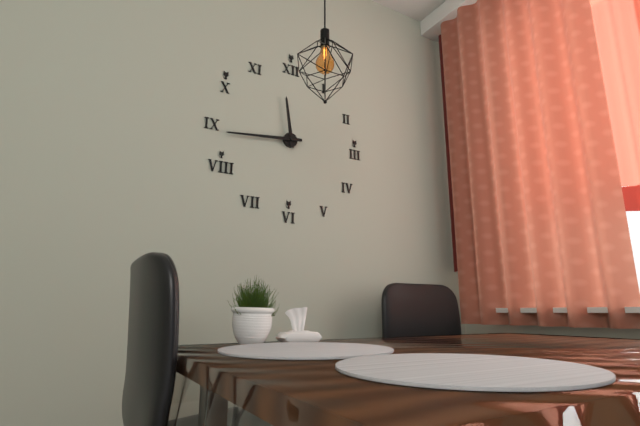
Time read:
11h44
